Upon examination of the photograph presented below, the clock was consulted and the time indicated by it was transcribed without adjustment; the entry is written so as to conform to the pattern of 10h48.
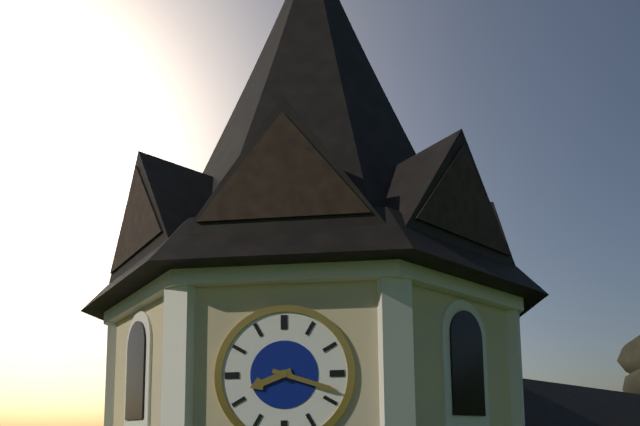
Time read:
8h18
